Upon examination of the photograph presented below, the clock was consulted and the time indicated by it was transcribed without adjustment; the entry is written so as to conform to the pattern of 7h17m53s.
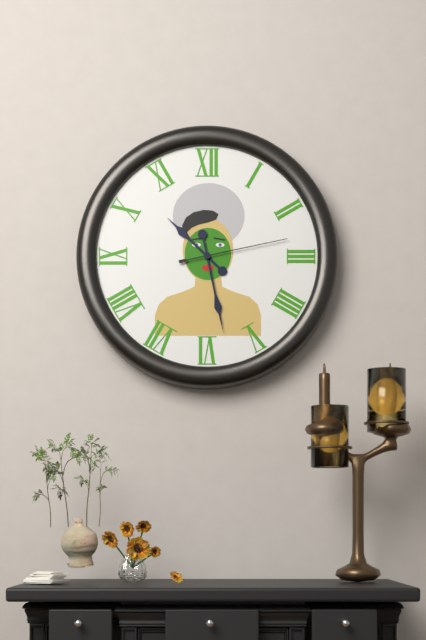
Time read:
10h28m13s
